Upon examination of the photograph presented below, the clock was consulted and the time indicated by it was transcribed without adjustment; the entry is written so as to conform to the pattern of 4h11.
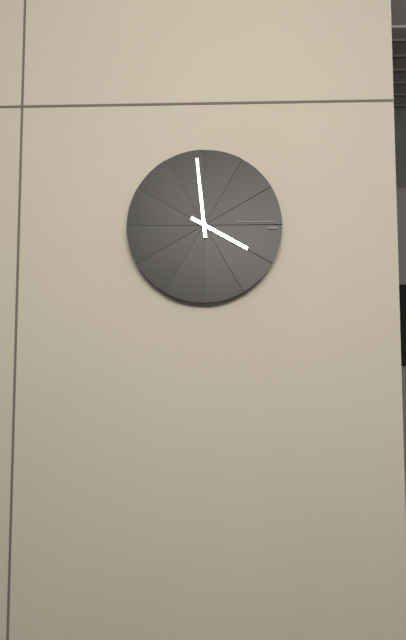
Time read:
3h59
